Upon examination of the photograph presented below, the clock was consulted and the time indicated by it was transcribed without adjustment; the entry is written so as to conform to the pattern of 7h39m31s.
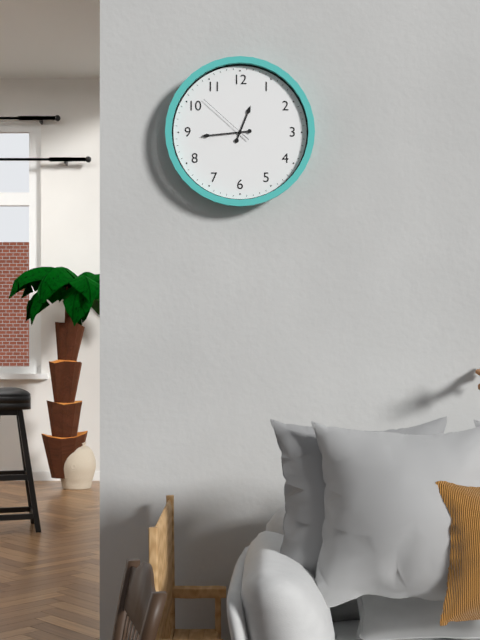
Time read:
12h44m52s
